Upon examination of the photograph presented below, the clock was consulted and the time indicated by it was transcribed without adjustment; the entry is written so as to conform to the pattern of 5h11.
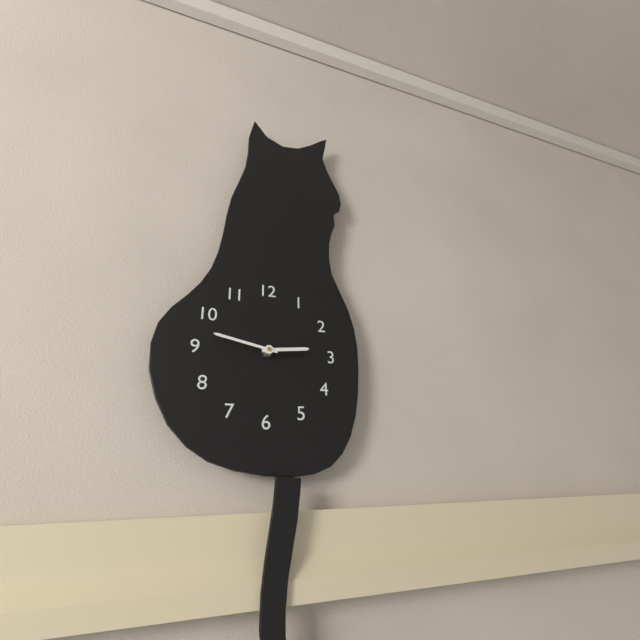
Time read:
2h47
